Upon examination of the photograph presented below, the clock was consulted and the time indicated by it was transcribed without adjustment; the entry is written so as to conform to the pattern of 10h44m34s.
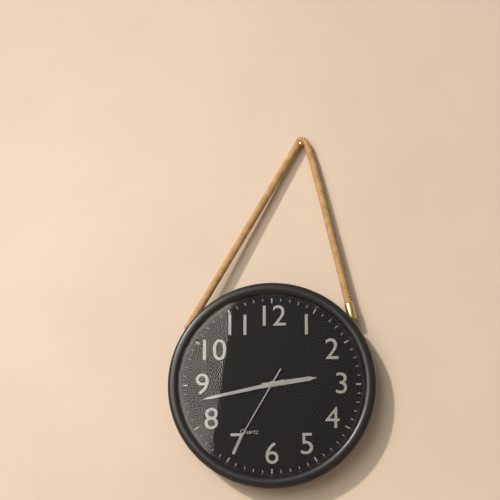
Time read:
2h43m35s
